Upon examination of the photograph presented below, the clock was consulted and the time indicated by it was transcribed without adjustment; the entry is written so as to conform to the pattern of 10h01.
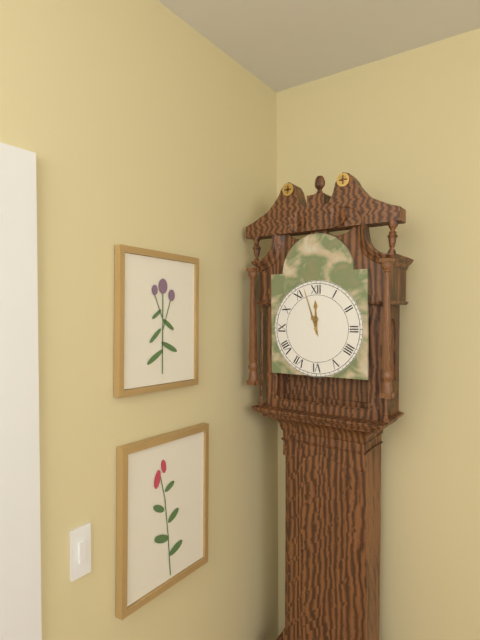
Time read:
11h57
